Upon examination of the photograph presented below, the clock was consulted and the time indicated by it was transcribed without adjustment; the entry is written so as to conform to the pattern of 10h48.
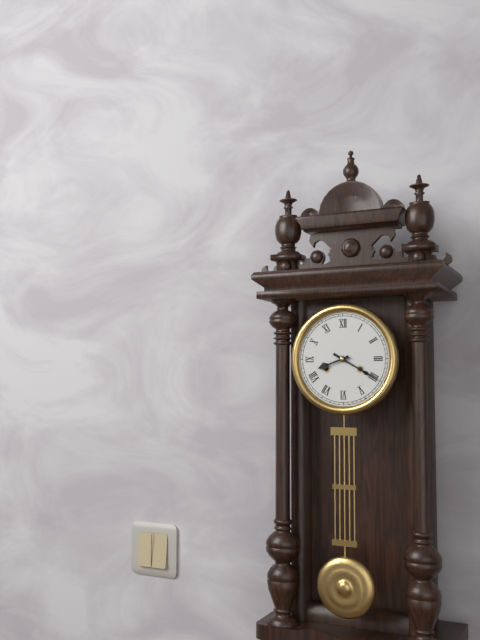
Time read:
8h20
